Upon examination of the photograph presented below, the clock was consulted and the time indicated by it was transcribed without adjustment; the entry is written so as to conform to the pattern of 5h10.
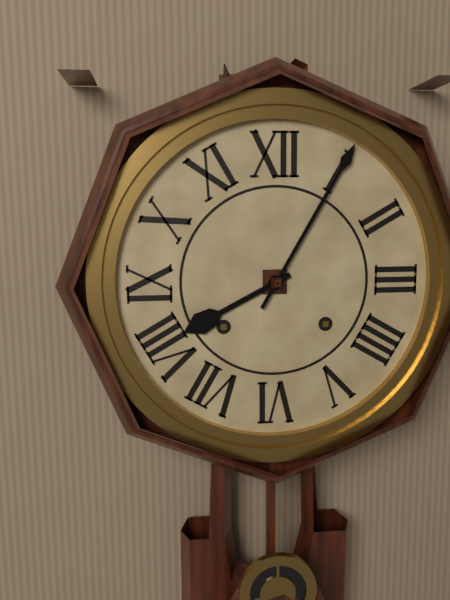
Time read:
8h05
